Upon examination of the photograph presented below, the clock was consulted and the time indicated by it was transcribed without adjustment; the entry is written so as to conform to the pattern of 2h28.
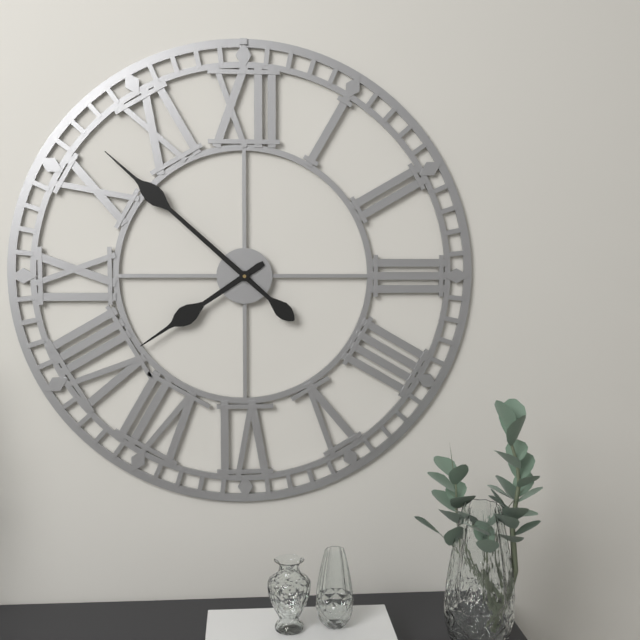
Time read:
7h52
